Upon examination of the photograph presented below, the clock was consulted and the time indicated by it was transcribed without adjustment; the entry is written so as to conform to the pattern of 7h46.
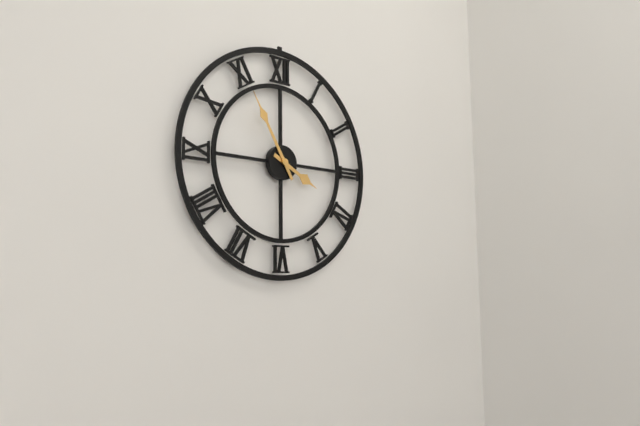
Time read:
3h55
